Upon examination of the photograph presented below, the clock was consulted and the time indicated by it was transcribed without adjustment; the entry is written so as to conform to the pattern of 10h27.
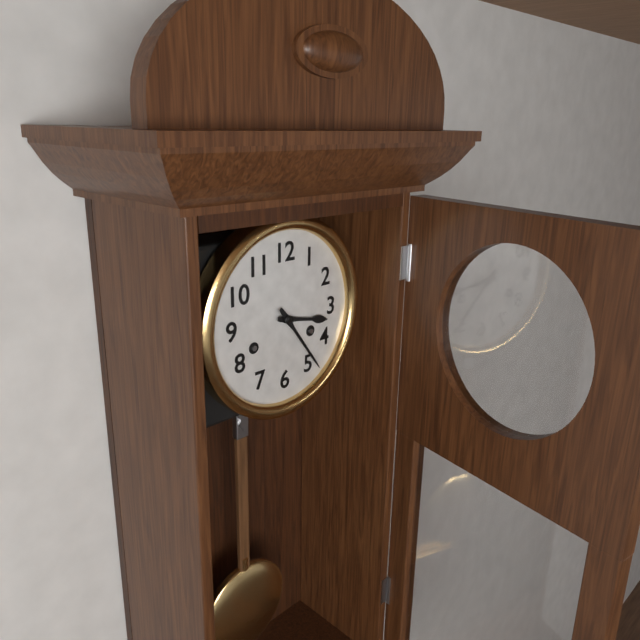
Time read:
3h24
